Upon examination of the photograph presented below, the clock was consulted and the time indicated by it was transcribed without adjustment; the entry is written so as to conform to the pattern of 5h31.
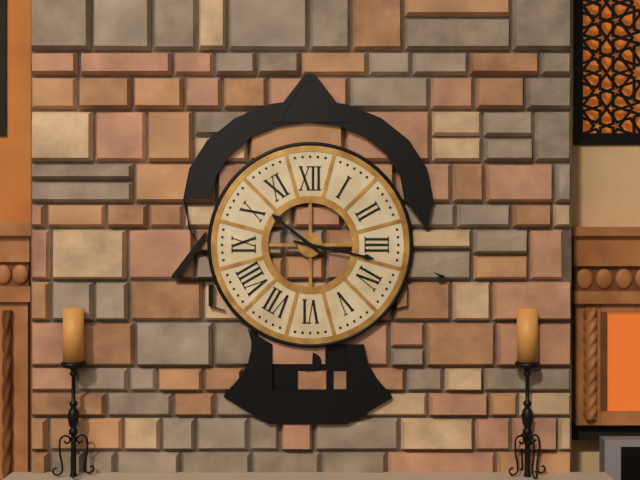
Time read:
10h17
